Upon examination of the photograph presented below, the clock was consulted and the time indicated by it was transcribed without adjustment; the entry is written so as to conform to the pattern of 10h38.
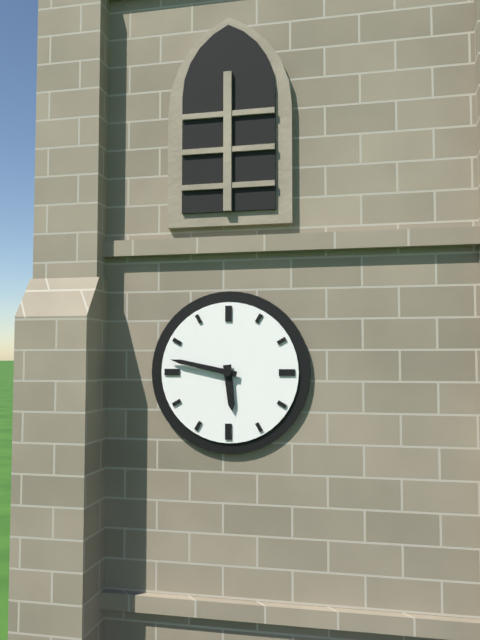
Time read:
5h47
